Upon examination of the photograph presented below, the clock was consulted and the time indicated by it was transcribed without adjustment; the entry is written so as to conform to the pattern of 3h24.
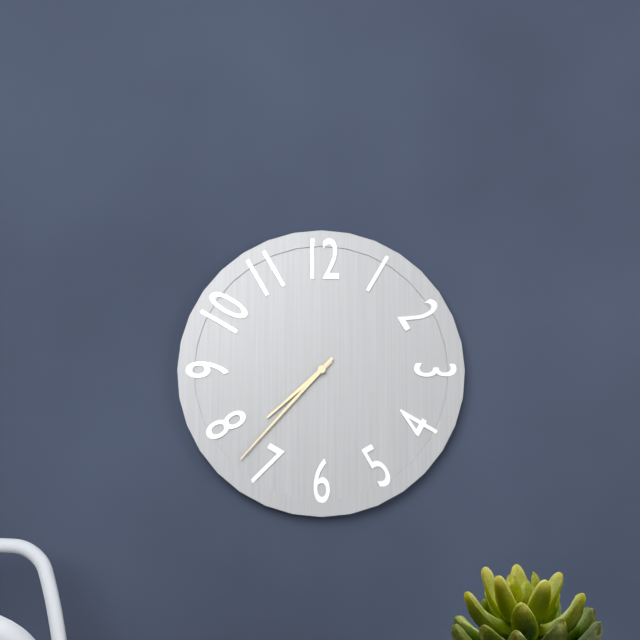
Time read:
7h37
